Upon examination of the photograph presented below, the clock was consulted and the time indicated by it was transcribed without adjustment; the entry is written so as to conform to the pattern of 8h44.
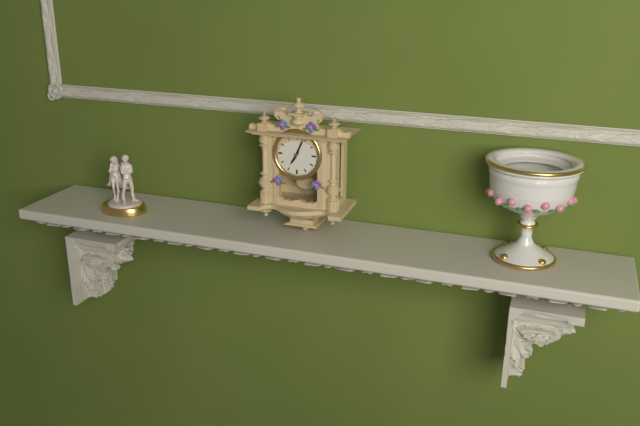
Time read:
7h04
